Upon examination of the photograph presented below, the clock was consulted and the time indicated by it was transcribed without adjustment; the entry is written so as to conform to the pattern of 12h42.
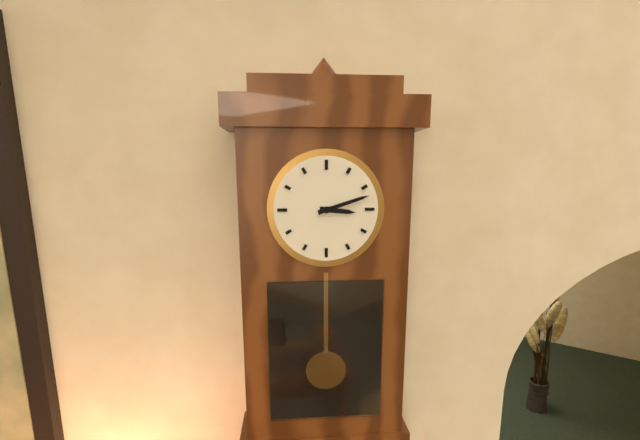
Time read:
3h12
